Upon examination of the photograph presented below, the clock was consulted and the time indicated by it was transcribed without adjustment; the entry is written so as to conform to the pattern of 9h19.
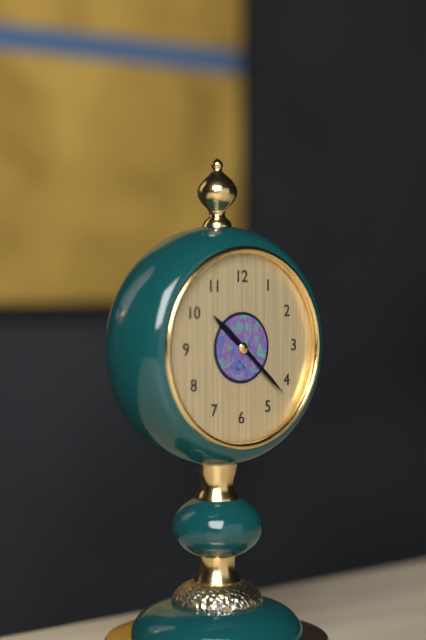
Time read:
10h22
